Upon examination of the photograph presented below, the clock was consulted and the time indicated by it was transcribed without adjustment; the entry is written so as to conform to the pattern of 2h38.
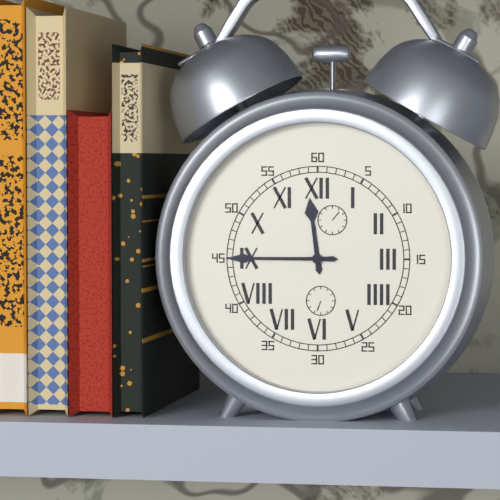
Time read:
11h45
